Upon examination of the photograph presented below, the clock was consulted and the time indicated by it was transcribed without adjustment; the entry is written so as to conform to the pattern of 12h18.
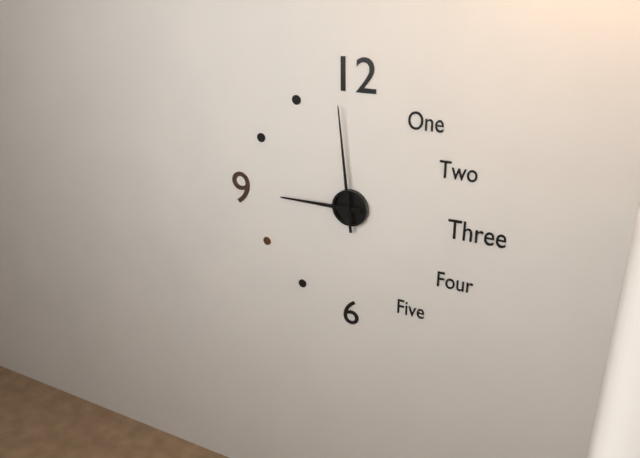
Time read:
8h59
